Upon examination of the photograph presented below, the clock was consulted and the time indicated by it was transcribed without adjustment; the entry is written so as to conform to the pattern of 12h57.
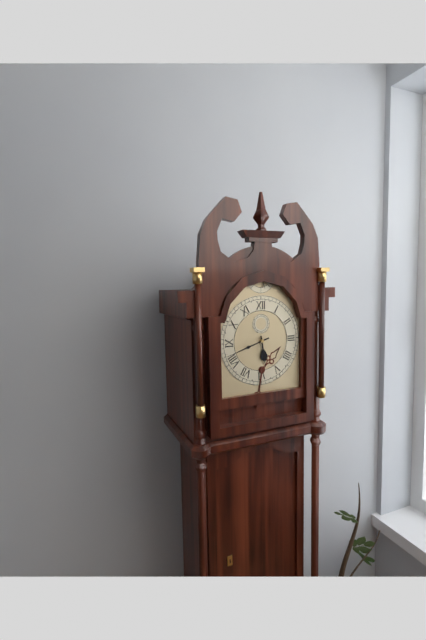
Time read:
5h42
